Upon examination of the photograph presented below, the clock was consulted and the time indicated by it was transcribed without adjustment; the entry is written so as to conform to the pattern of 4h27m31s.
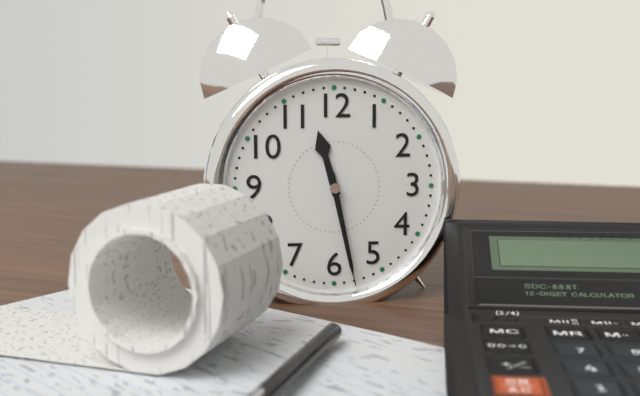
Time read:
11h28m28s
